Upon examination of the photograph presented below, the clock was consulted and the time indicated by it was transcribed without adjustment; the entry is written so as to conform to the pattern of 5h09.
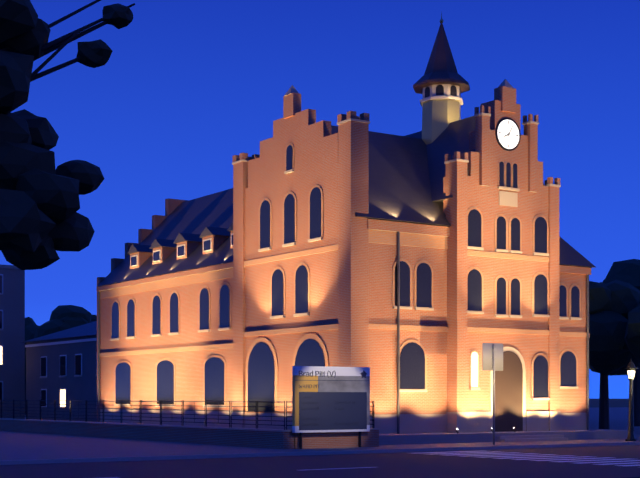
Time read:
8h05
